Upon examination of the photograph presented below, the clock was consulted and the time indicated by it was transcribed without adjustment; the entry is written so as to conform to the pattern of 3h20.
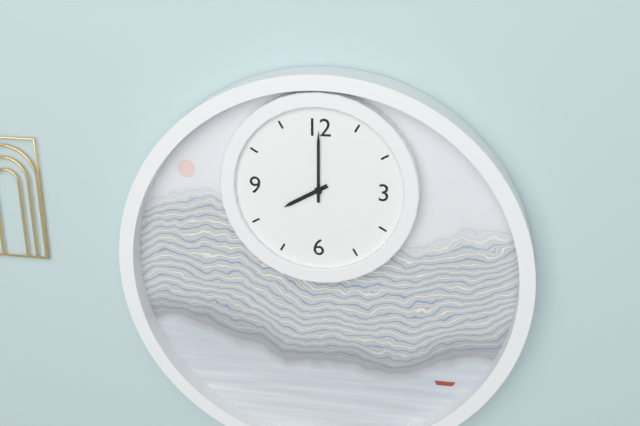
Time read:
8h00
